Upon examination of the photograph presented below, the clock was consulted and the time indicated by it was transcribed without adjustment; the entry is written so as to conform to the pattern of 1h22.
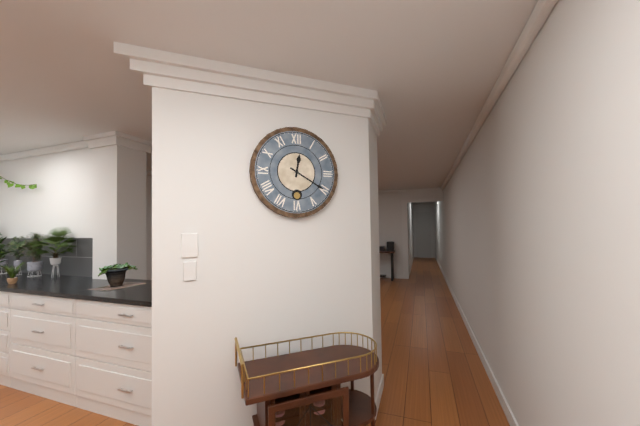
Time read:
12h20
